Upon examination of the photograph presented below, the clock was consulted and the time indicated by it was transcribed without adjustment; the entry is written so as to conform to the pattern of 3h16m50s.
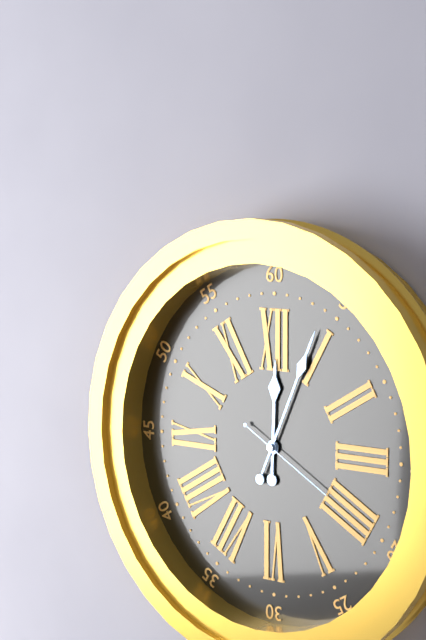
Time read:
12h04m20s
